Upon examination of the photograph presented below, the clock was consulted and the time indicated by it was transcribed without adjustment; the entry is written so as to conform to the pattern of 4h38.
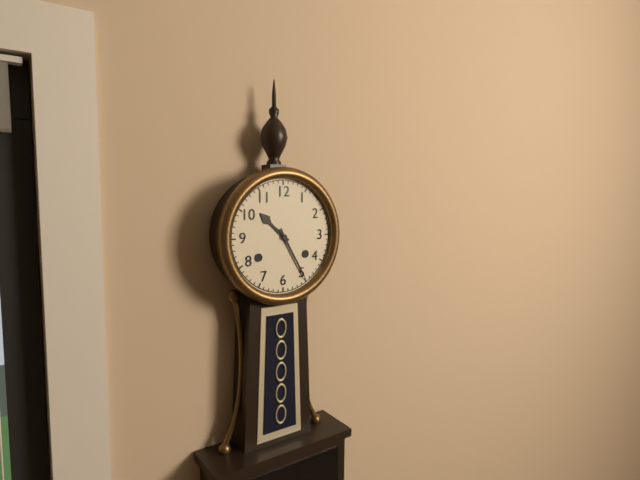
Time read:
10h25
